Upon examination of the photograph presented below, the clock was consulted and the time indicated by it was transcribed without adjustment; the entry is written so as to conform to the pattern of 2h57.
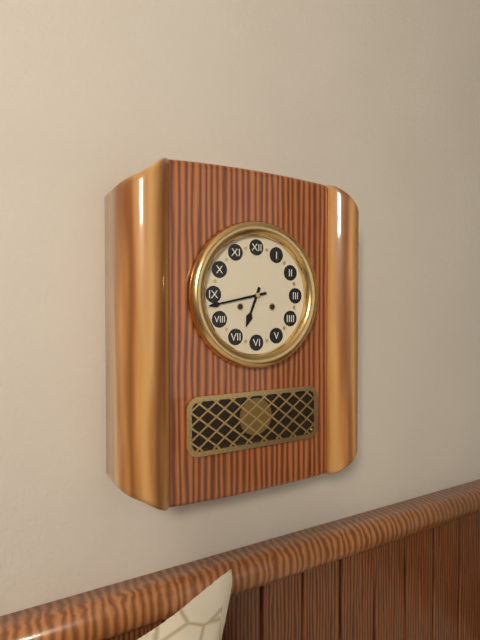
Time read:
6h43
